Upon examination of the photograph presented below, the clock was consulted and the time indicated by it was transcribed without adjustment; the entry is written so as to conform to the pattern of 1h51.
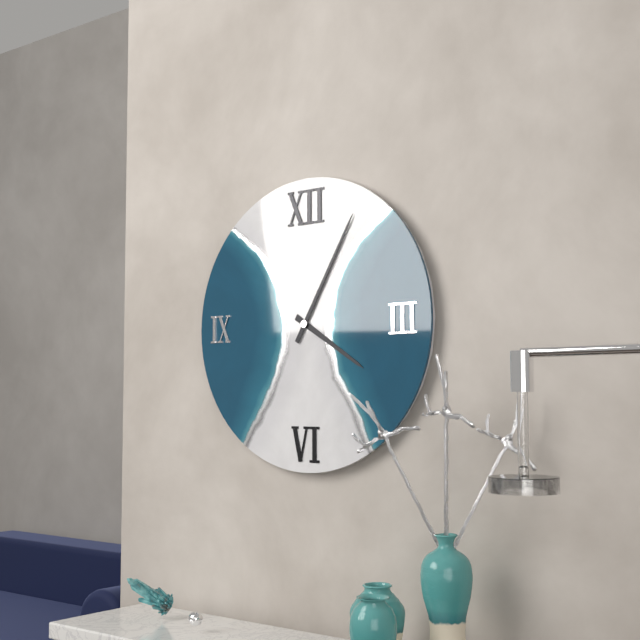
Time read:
4h05
